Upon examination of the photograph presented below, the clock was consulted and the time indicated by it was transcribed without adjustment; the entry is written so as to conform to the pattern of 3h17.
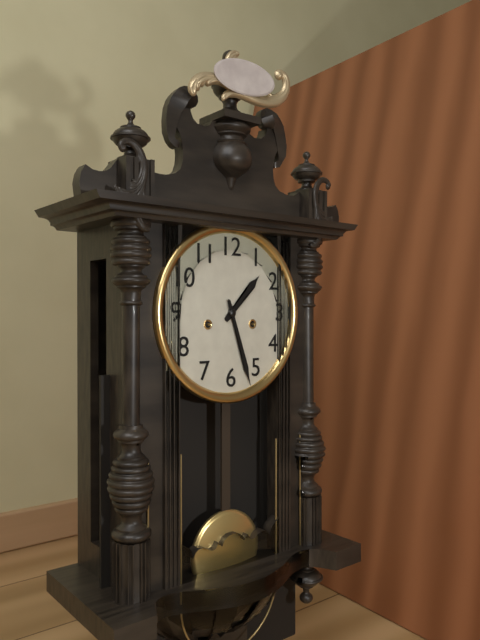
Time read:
1h27
